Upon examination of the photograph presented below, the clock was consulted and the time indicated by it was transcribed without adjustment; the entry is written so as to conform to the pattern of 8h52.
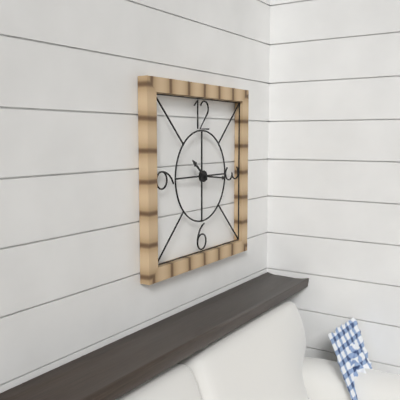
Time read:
10h16
